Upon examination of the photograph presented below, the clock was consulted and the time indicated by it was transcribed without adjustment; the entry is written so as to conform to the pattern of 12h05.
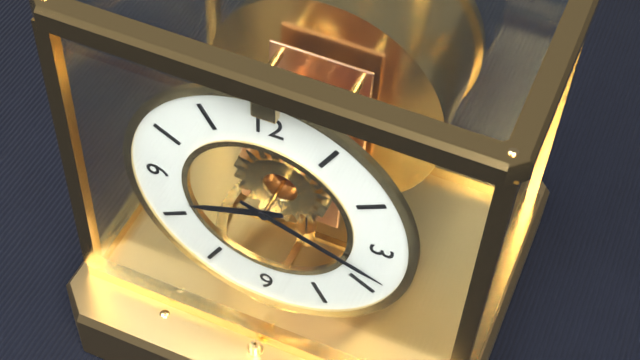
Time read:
8h18
